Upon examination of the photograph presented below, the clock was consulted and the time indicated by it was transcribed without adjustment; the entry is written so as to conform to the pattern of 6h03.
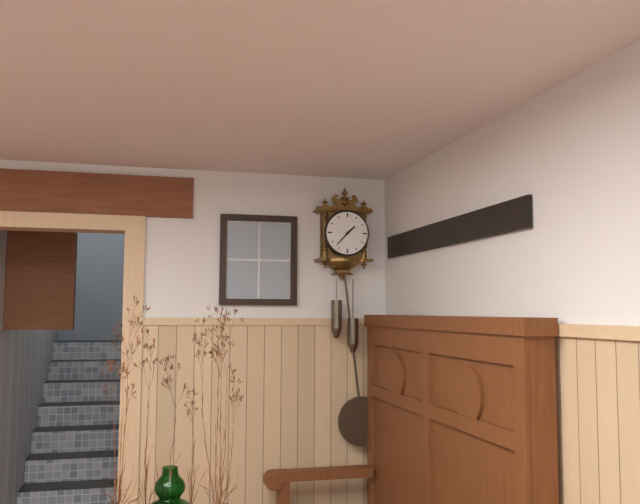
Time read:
1h37
